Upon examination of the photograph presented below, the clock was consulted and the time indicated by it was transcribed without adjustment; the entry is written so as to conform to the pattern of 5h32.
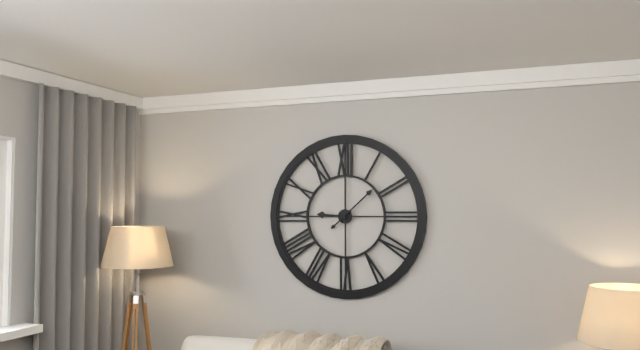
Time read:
9h08
